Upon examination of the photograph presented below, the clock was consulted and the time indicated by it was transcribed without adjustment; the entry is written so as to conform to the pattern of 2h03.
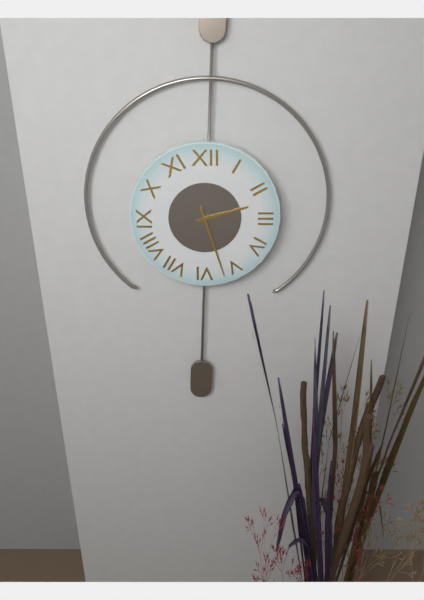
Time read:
2h27
